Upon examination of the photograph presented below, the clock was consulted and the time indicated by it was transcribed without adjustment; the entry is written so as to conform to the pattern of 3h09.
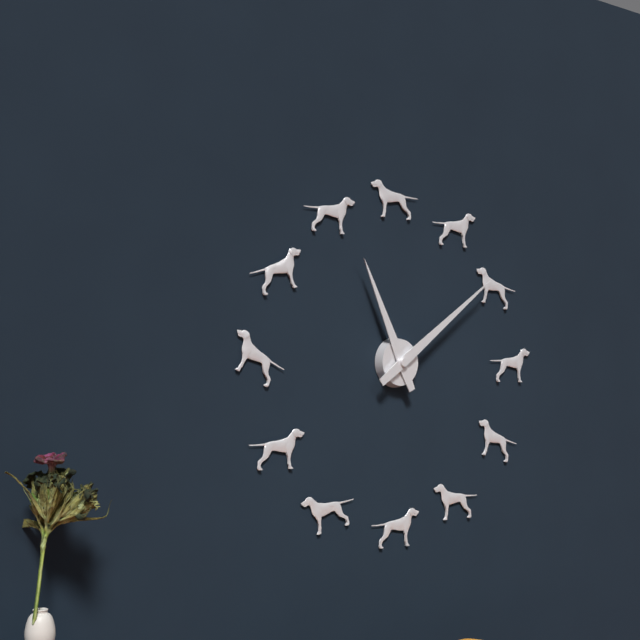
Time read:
11h09
